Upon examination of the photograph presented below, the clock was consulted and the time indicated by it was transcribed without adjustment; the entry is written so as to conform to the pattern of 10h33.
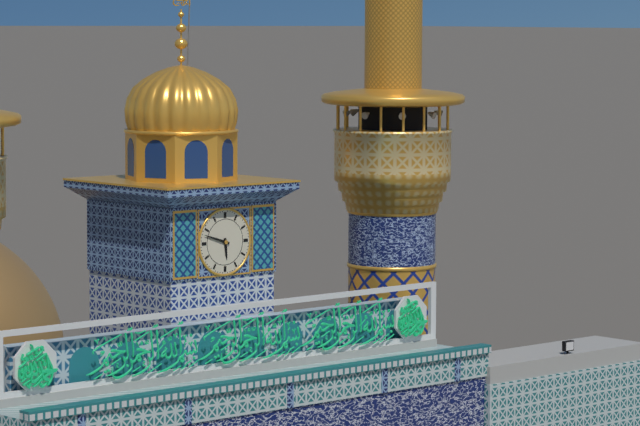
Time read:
5h48
